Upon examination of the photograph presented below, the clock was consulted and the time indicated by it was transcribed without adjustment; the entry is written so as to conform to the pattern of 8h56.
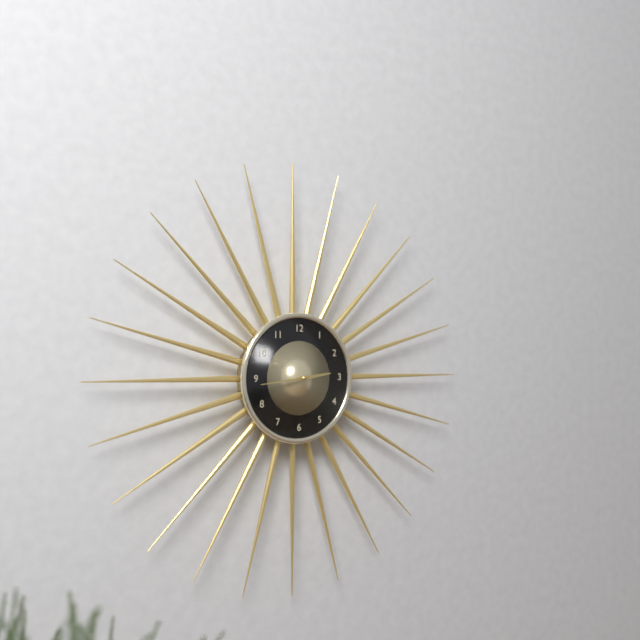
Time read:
2h44
